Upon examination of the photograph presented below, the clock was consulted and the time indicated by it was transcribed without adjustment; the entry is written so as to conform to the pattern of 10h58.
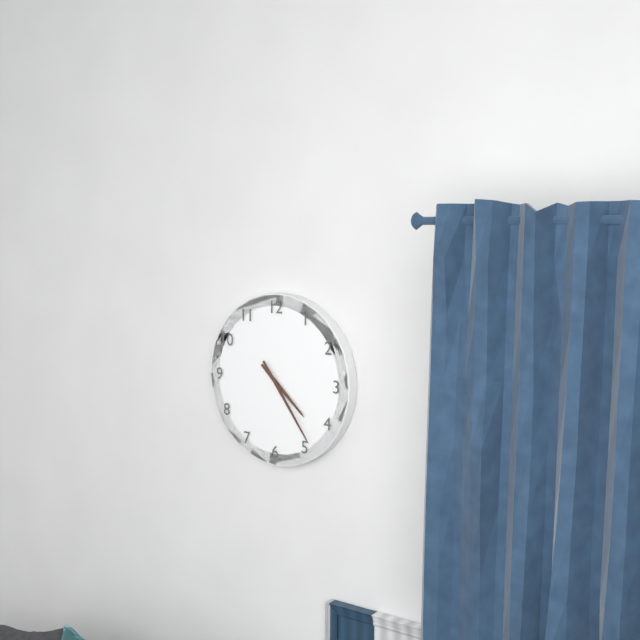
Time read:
4h24
